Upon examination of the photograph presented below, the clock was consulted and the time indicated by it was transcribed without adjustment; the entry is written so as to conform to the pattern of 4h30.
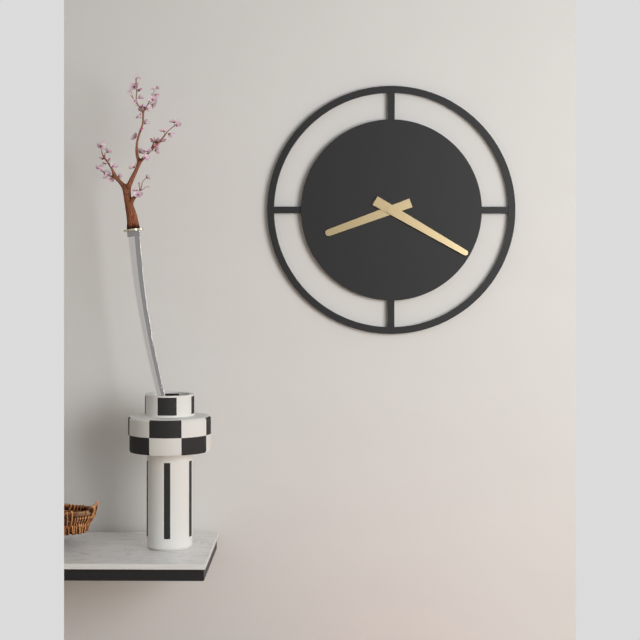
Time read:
8h20
